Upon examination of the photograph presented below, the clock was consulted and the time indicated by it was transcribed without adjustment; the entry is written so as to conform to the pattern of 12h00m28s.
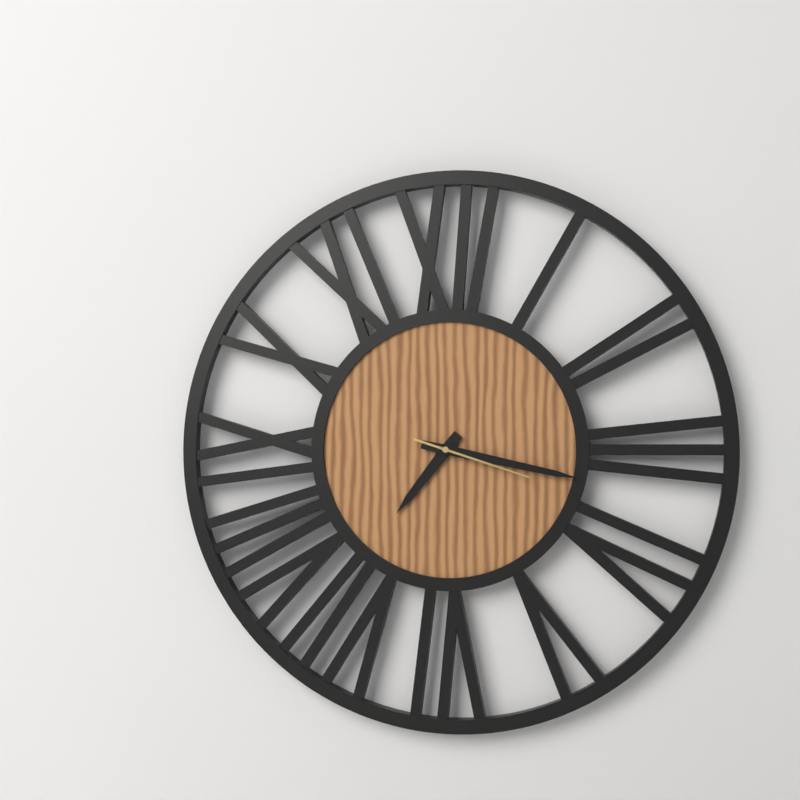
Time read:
7h17m18s
